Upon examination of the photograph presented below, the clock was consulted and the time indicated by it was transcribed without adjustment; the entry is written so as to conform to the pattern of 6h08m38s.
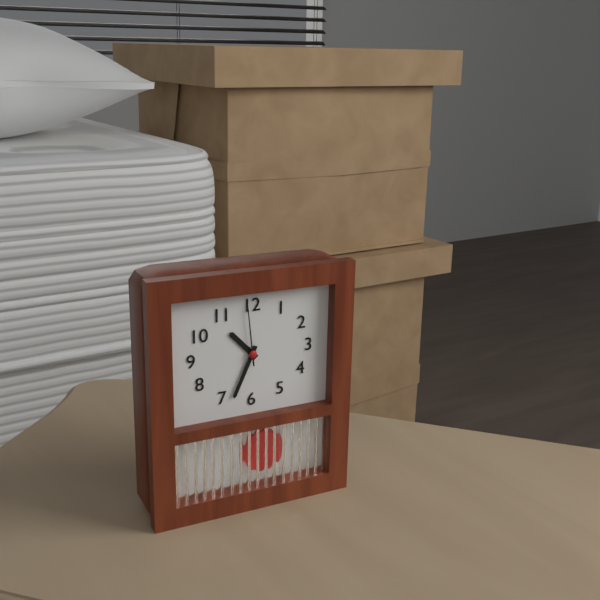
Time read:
10h34m59s
